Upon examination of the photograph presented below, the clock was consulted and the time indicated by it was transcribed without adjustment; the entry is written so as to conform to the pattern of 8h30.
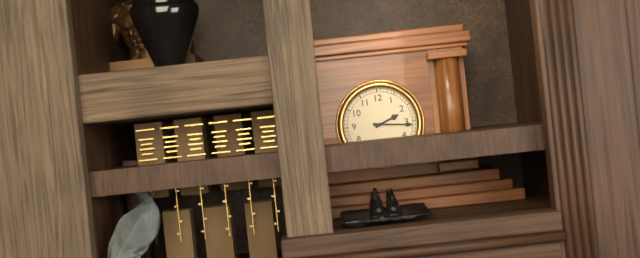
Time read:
2h16
